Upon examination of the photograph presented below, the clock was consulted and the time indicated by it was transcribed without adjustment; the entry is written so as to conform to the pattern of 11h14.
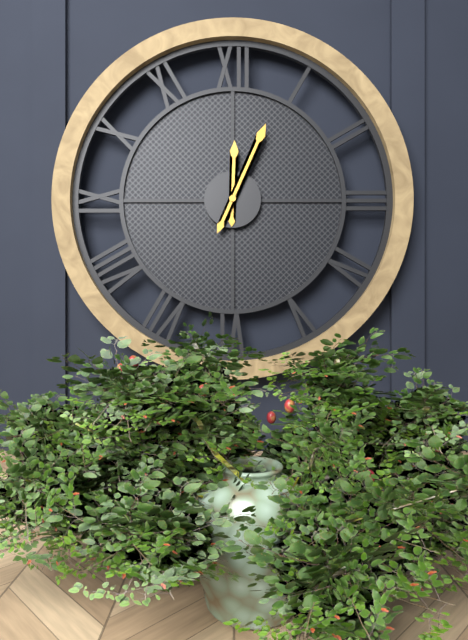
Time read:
12h04
